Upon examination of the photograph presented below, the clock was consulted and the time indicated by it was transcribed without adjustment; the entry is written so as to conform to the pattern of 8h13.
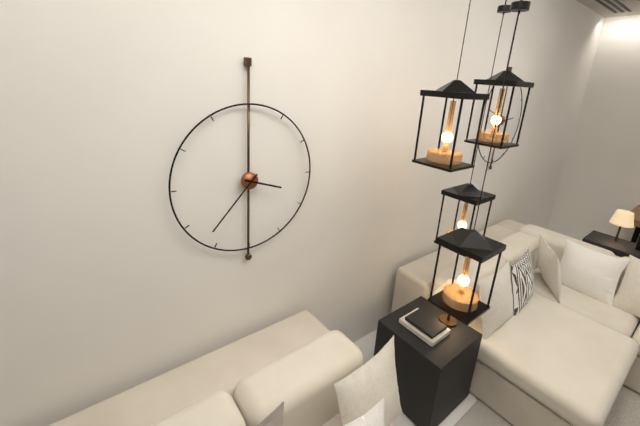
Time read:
3h37
